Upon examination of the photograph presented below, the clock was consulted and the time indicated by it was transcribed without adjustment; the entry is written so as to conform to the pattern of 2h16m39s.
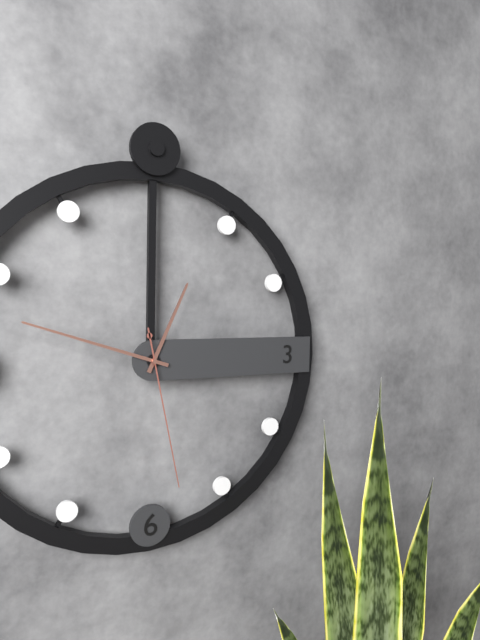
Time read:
12h48m28s
